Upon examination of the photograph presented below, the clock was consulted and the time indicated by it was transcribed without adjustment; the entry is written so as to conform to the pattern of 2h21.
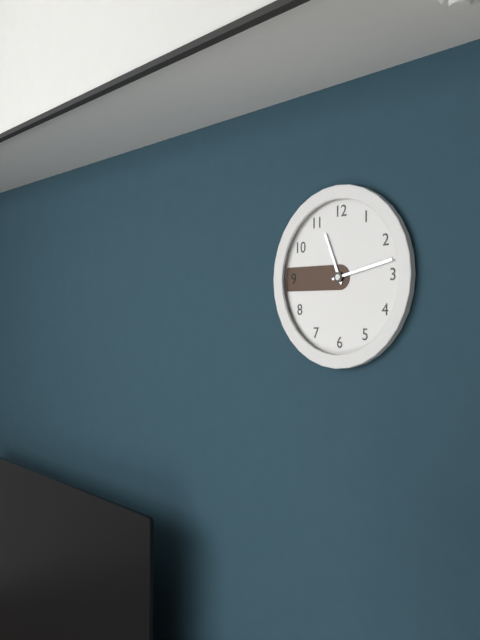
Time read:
11h13
